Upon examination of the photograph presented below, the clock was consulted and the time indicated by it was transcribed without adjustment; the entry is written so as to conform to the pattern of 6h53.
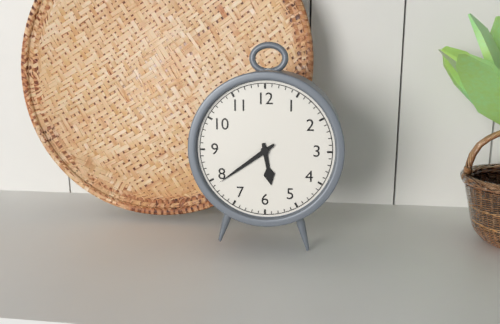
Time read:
5h39
